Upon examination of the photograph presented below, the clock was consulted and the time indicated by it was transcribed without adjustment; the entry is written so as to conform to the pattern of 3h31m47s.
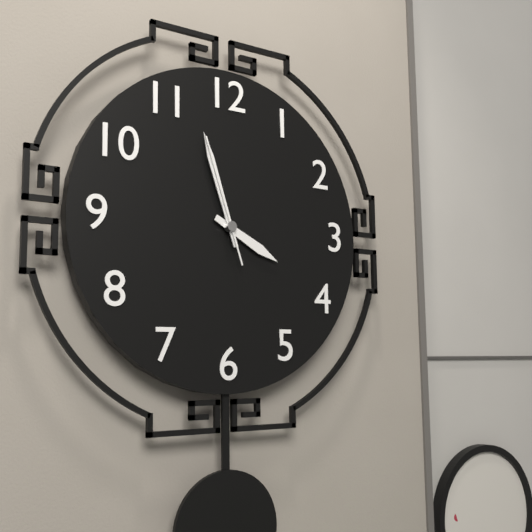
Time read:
3h57m57s
